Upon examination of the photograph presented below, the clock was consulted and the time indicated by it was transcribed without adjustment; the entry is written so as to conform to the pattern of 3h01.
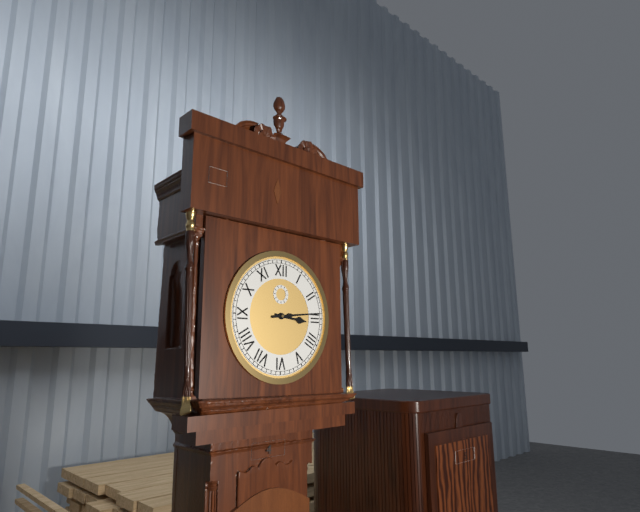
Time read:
3h14
